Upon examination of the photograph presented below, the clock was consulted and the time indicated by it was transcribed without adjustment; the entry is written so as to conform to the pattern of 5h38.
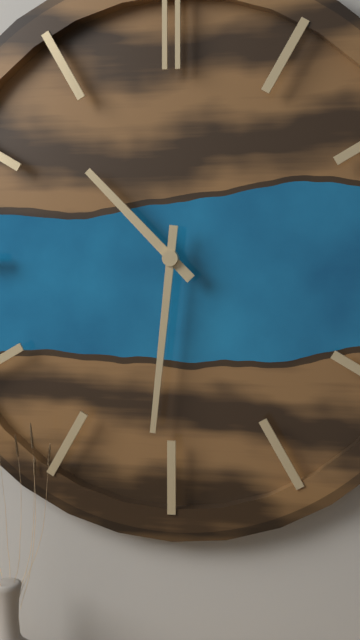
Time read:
10h31
